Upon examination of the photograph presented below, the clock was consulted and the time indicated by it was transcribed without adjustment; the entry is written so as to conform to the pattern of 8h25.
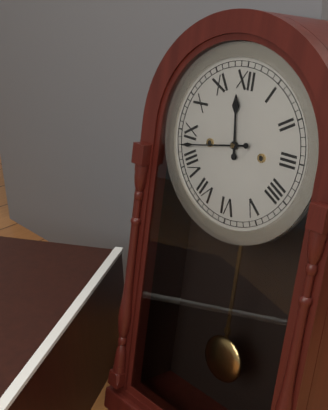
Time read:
11h43
